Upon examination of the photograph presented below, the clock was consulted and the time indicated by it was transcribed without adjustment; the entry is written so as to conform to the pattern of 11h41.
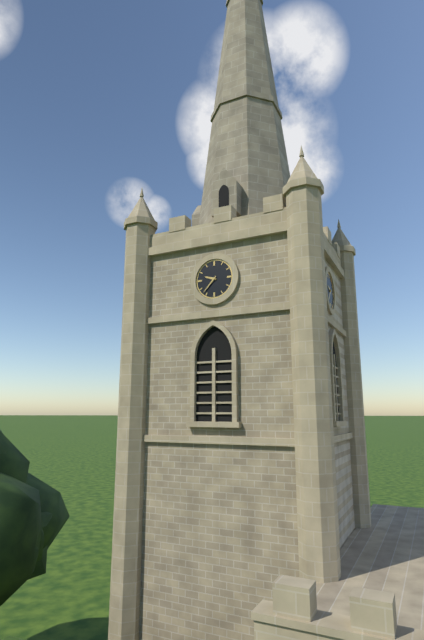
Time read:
9h37
